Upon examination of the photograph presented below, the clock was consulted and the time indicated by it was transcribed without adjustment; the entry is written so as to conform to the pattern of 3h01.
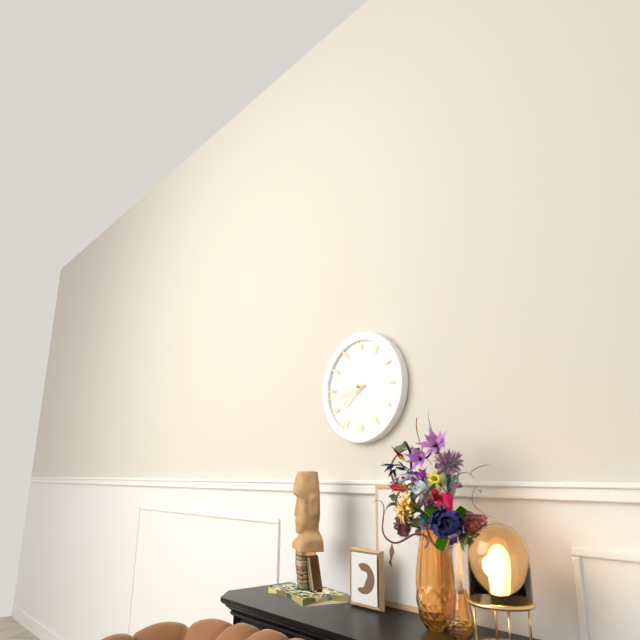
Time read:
7h43
